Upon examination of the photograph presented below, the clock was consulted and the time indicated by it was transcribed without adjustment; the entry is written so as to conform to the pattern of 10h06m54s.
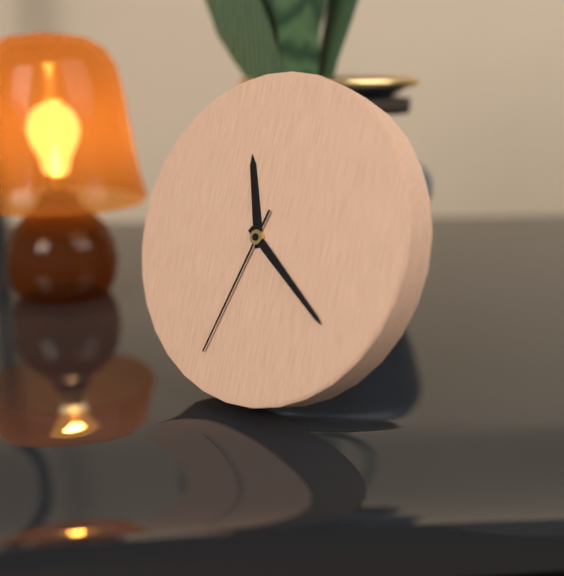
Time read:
11h21m33s
